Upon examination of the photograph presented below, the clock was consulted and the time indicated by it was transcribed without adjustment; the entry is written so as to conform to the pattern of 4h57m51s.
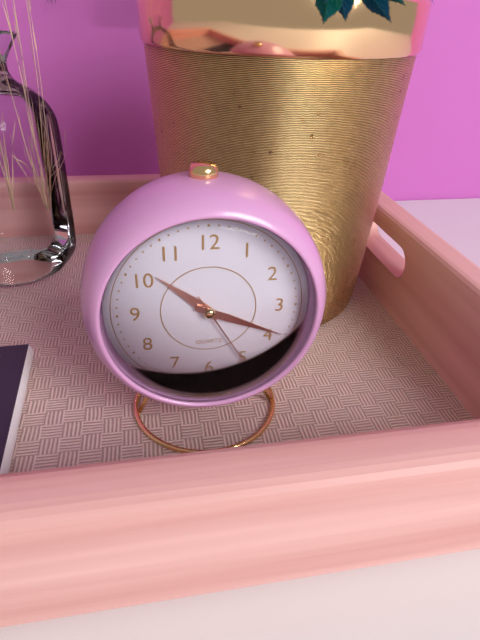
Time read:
10h19m25s
